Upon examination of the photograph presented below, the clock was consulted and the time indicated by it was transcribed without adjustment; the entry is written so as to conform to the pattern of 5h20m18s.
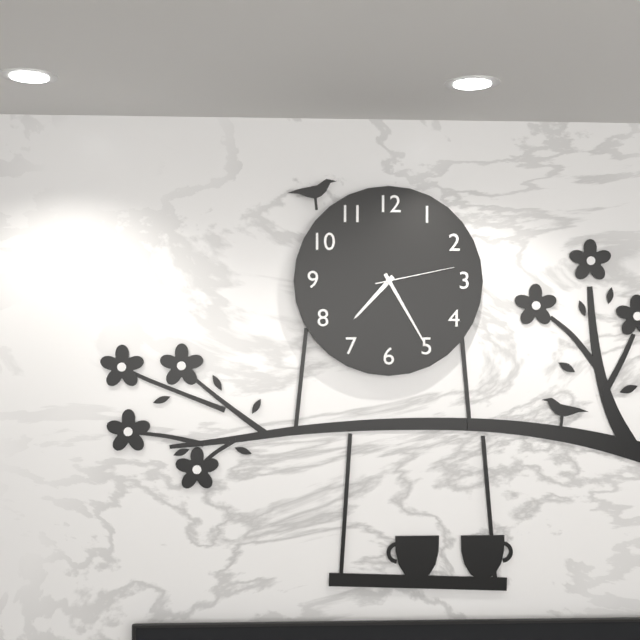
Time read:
7h25m13s
